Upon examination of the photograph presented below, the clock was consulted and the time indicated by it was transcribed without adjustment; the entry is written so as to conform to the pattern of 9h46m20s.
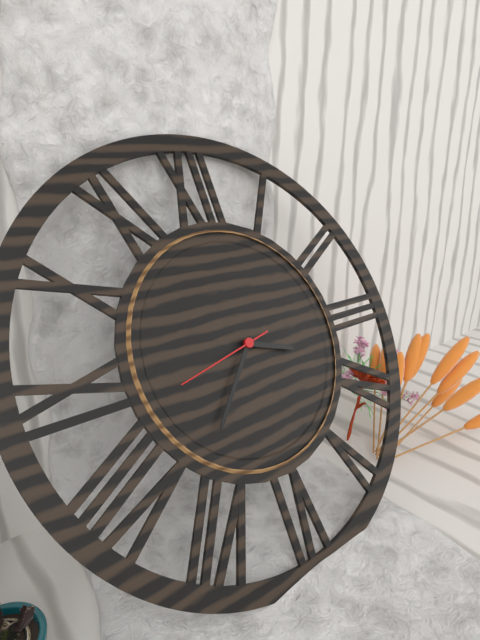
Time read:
3h37m43s
